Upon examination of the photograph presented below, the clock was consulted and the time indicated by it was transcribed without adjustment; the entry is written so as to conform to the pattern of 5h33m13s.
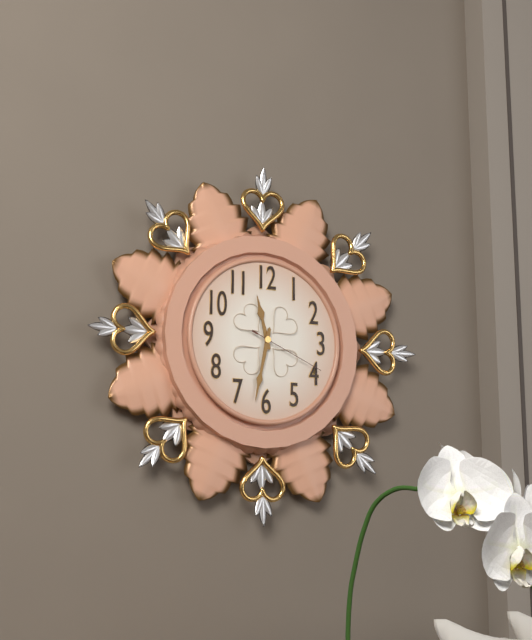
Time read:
11h32m19s
